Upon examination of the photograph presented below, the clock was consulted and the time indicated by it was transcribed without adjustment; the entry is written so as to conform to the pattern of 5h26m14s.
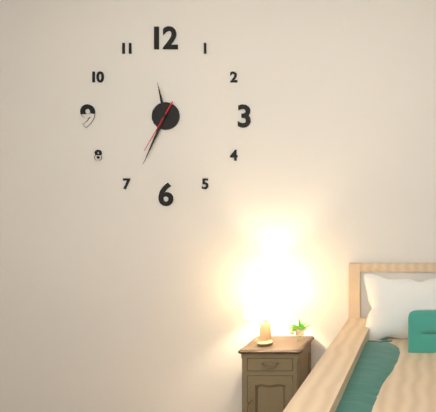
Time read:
11h34m35s
